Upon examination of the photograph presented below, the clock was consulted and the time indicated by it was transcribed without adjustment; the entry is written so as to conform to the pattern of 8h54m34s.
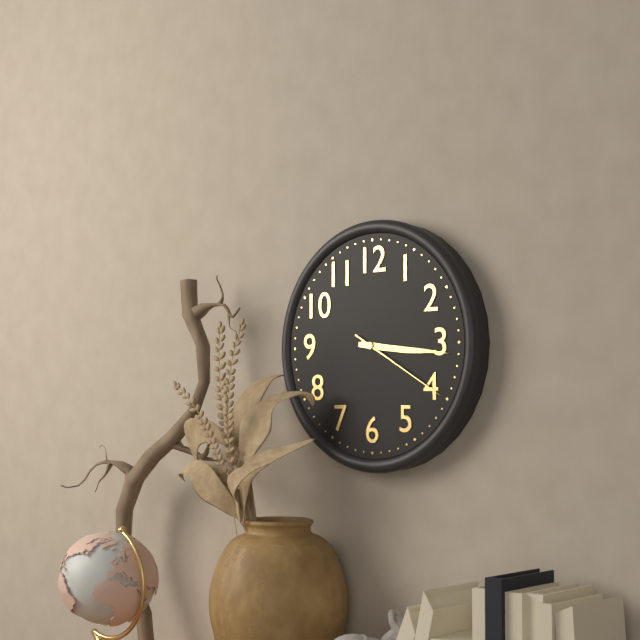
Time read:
3h16m20s
